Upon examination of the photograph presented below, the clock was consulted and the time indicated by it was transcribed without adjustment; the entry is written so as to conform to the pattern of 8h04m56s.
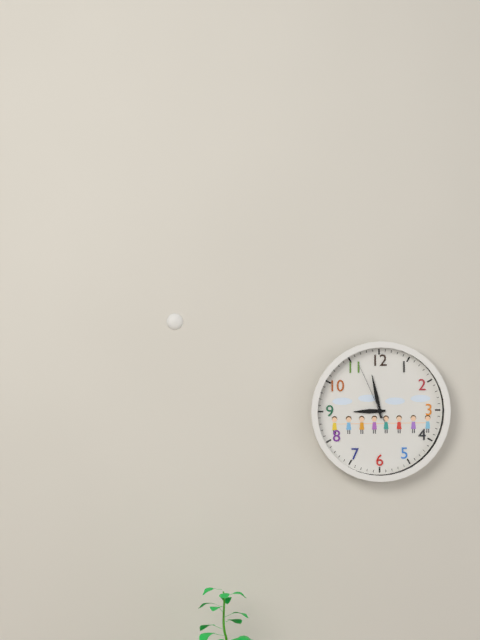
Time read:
8h58m56s
